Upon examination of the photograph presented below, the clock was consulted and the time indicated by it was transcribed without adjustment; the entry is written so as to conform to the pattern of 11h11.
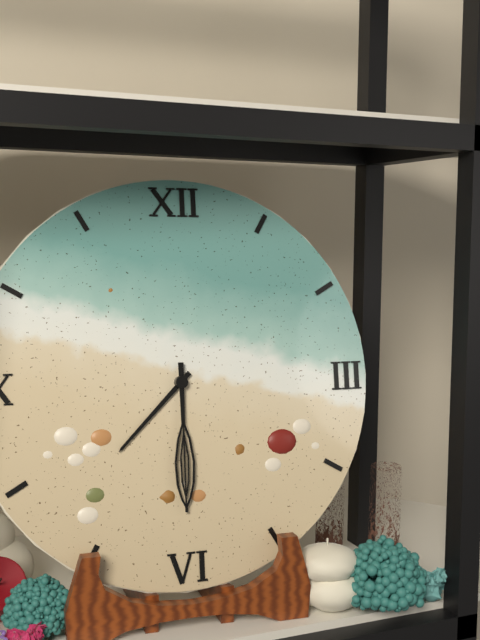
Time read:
7h30
